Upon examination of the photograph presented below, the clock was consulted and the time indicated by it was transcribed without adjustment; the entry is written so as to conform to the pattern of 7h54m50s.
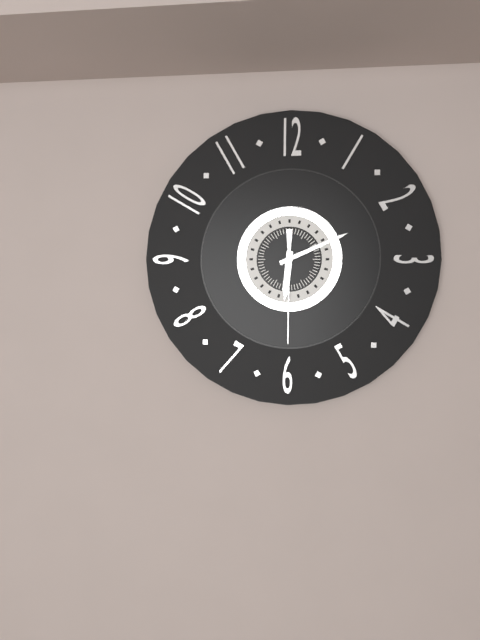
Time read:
6h11m30s
